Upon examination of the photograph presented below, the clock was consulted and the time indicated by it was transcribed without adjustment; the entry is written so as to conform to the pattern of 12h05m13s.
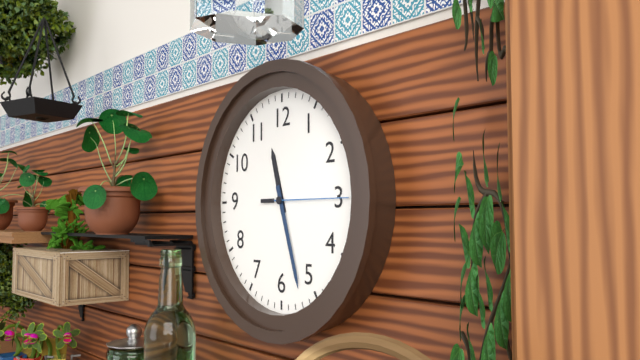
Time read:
11h27m15s
